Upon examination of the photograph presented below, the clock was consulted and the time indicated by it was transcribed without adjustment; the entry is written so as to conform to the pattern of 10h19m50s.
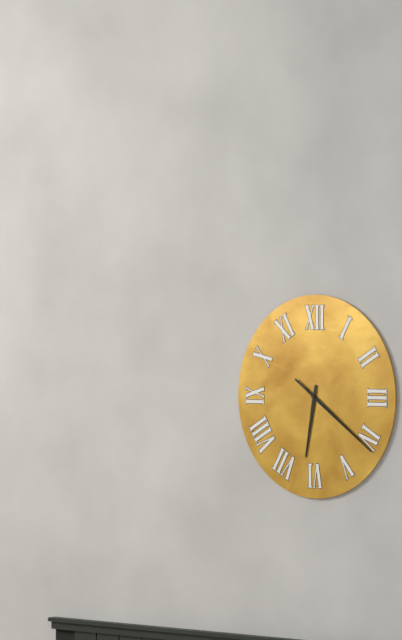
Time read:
6h21m21s
